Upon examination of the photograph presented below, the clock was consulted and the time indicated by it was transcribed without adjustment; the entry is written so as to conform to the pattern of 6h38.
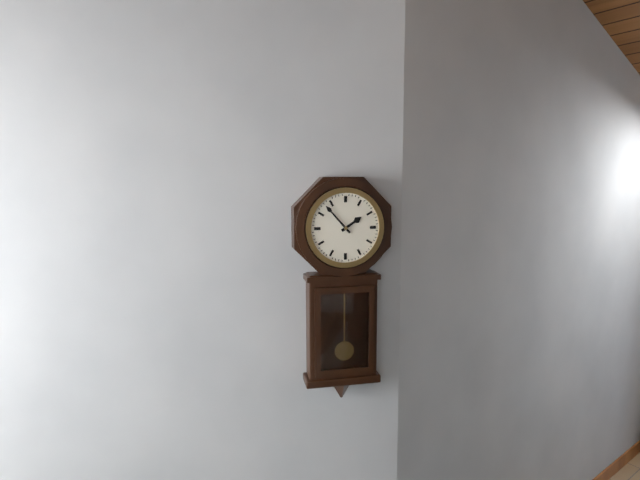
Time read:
1h53
